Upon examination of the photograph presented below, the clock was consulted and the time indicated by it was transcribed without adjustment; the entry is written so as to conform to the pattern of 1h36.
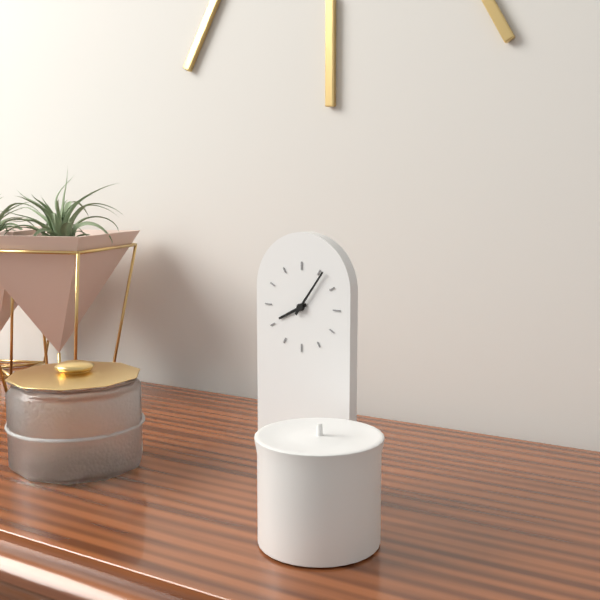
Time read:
8h06
